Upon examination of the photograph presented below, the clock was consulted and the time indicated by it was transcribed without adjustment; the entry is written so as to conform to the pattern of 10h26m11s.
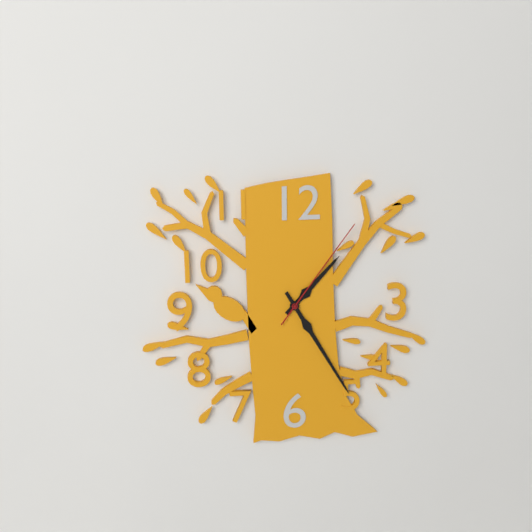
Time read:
1h25m06s
